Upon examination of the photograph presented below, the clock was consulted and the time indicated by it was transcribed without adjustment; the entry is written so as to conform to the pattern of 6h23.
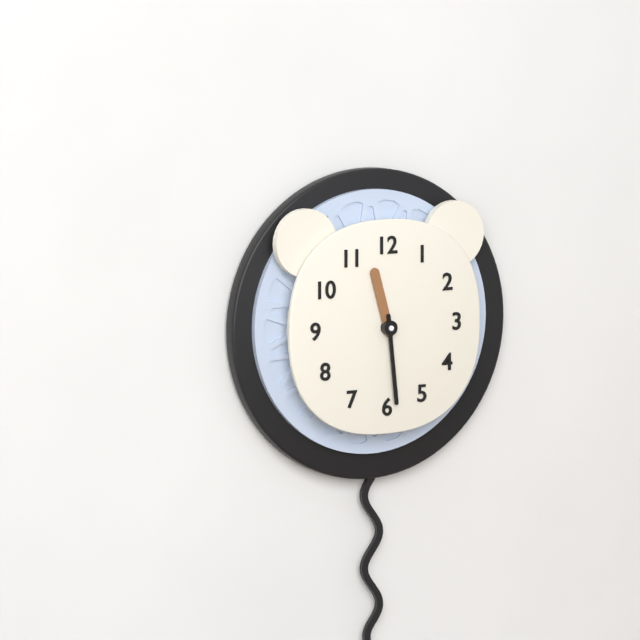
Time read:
11h29
